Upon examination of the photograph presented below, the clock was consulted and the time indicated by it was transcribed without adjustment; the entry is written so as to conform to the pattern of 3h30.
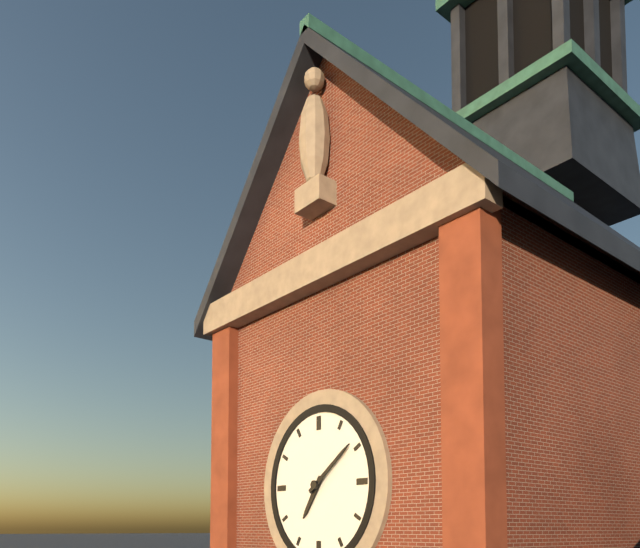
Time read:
7h09
